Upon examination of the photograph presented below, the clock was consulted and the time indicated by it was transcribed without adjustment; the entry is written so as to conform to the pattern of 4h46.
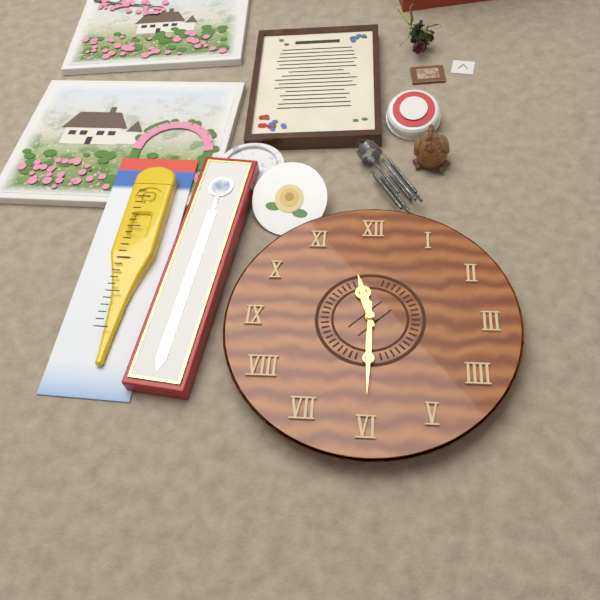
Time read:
11h30
